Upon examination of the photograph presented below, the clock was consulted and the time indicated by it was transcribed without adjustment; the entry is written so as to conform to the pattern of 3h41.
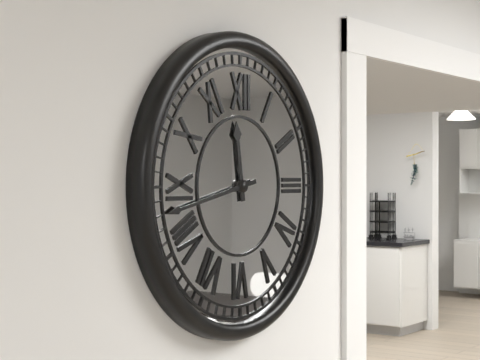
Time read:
11h43
